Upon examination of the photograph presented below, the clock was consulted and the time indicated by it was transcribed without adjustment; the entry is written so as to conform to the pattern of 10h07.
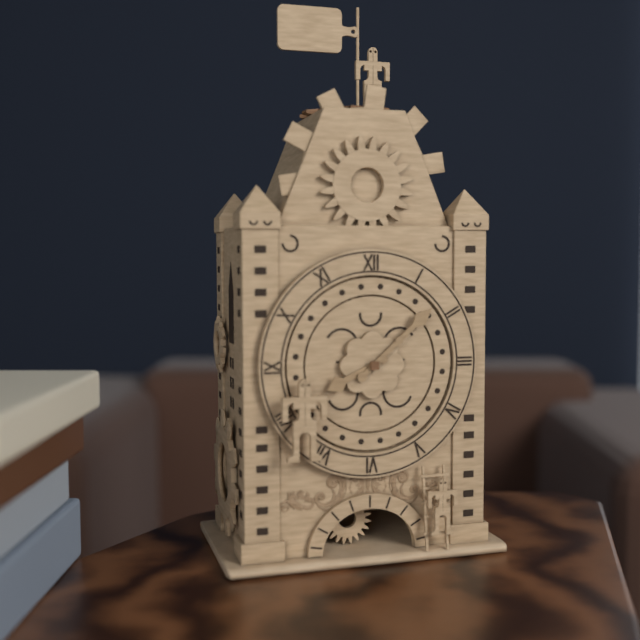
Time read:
8h08
